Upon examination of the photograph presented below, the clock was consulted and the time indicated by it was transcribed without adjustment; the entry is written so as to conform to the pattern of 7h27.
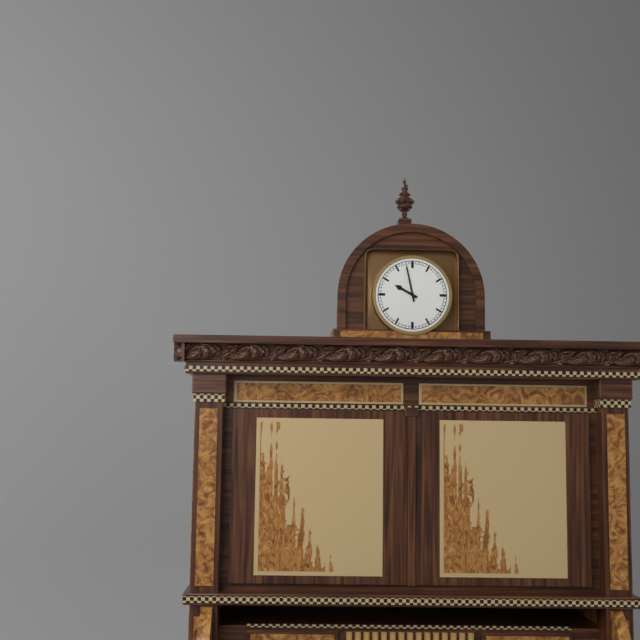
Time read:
9h58
